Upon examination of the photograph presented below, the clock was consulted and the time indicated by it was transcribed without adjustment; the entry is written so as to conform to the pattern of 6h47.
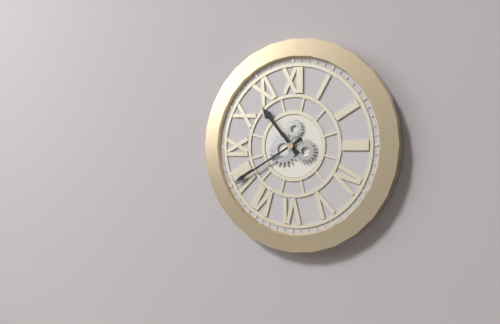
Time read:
10h40
